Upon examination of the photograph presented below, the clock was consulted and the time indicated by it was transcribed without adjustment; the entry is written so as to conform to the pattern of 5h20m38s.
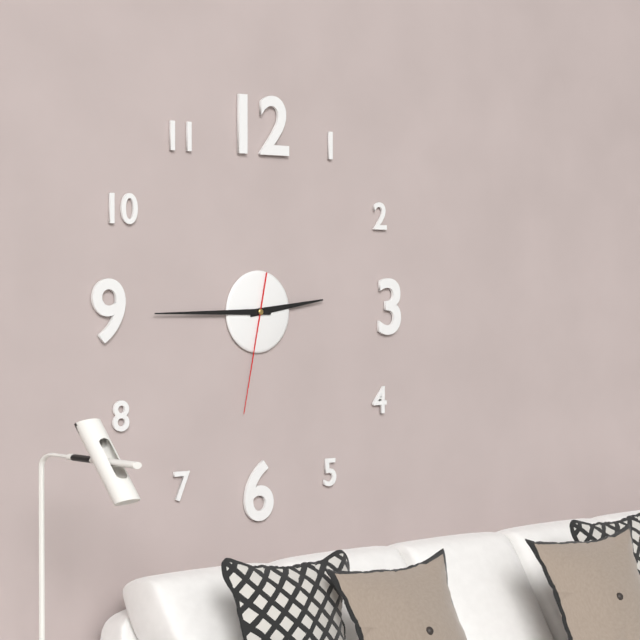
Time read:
2h45m32s
